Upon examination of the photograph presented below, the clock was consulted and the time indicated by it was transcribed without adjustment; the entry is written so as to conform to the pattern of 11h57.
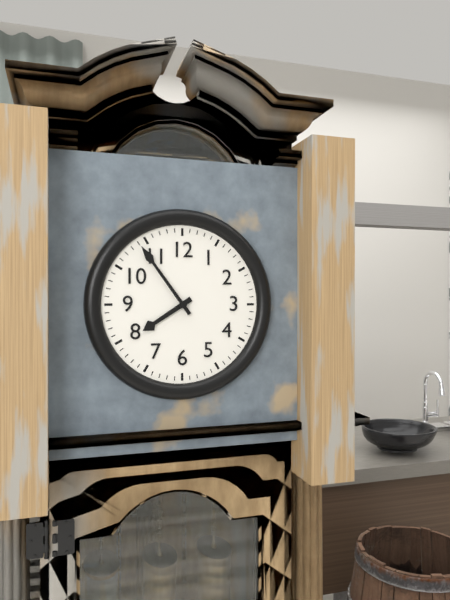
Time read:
7h54
